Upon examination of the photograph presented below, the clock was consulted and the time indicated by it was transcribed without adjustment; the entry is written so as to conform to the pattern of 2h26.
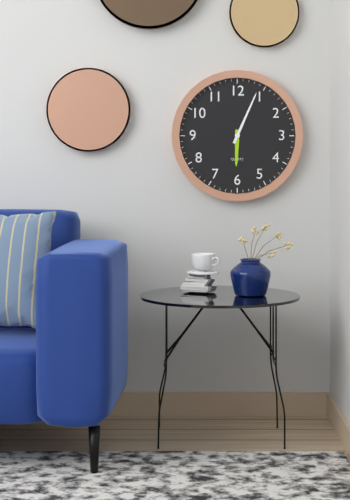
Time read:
6h04
